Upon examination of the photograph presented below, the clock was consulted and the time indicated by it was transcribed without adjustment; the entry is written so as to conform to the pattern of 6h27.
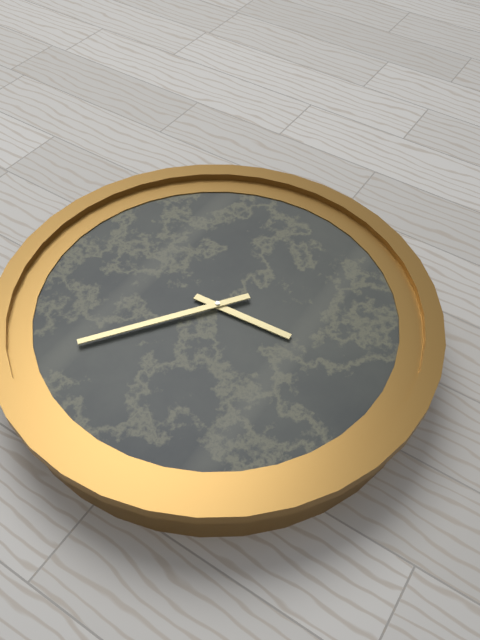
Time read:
5h51
